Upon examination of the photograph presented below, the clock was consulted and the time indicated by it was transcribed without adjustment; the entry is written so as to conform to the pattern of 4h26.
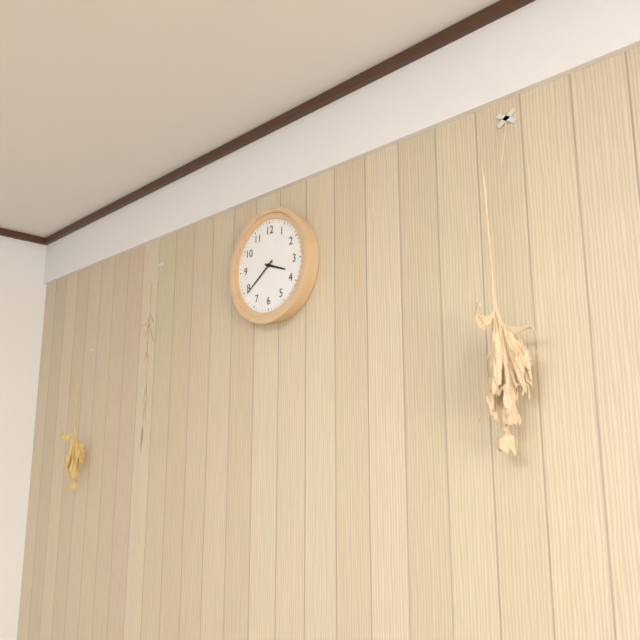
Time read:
3h39
